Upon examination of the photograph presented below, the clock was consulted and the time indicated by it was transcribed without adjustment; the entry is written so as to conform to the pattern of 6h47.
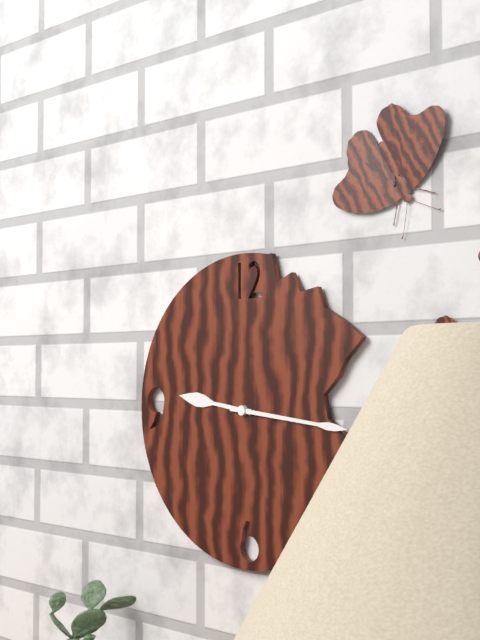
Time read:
9h16
